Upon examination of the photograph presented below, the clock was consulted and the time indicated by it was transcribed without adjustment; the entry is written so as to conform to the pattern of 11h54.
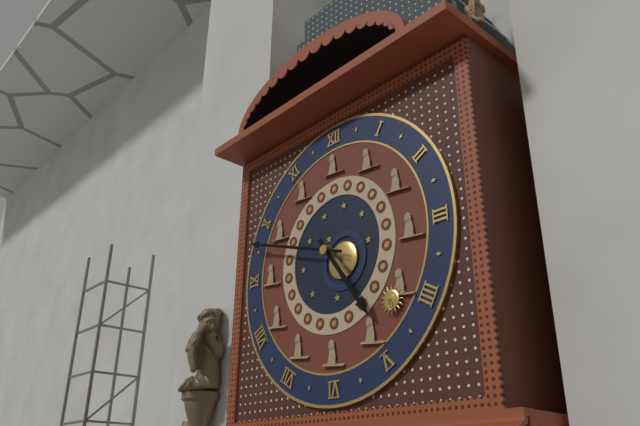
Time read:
4h48
